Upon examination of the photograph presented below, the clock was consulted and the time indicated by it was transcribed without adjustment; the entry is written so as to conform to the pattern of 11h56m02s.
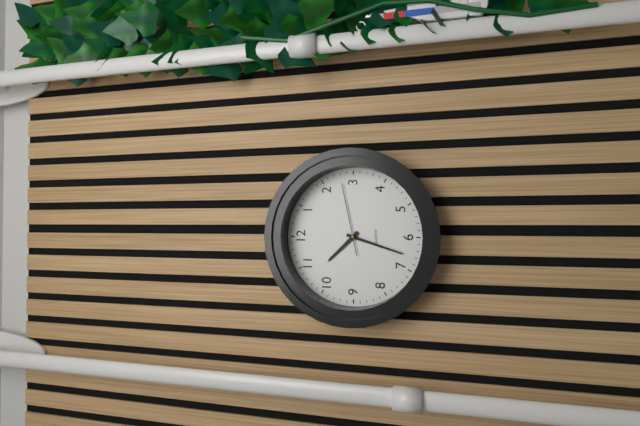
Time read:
10h33m13s
